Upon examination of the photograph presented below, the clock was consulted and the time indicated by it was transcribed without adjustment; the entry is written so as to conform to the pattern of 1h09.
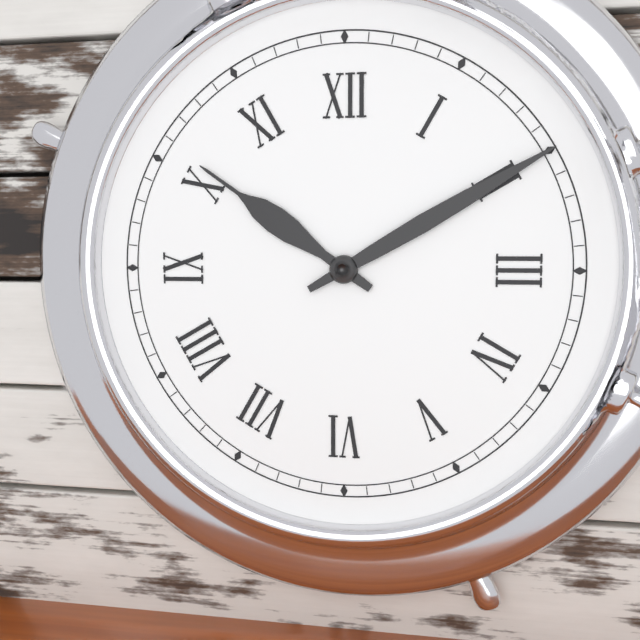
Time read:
10h10
